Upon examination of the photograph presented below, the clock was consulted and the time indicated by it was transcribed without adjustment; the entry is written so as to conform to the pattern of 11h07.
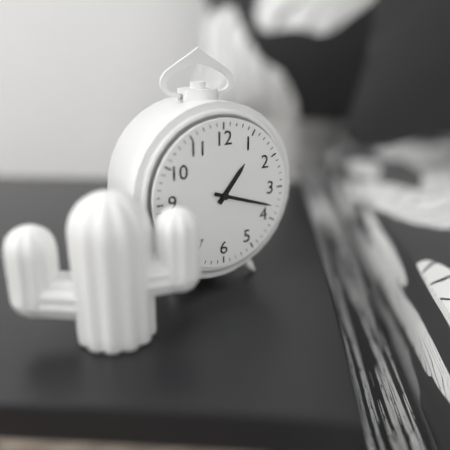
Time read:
1h18
